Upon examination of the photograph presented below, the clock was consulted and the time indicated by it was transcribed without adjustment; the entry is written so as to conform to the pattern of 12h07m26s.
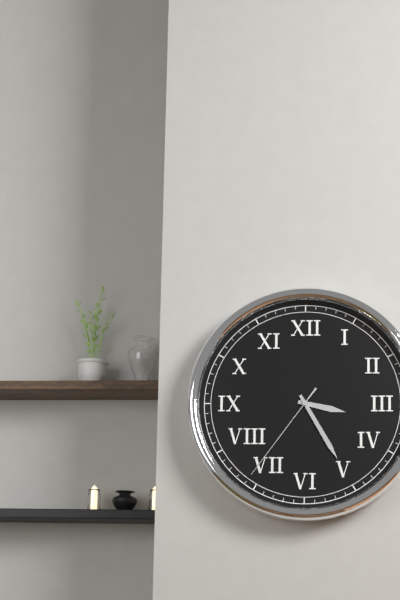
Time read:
3h25m36s
